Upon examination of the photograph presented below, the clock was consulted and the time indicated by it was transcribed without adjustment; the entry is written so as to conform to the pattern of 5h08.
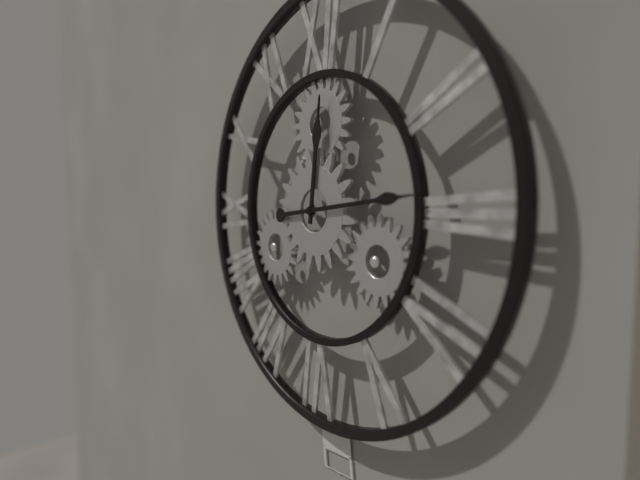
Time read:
12h14
